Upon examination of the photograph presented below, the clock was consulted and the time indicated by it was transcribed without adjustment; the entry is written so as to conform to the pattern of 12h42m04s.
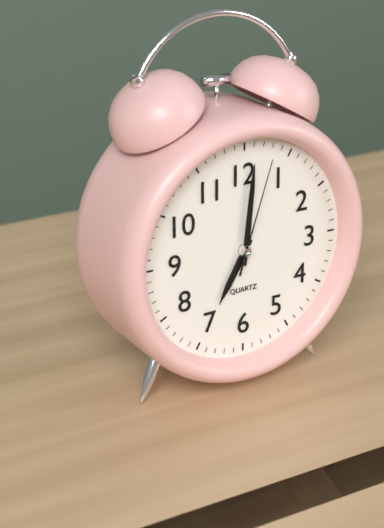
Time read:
7h01m03s
